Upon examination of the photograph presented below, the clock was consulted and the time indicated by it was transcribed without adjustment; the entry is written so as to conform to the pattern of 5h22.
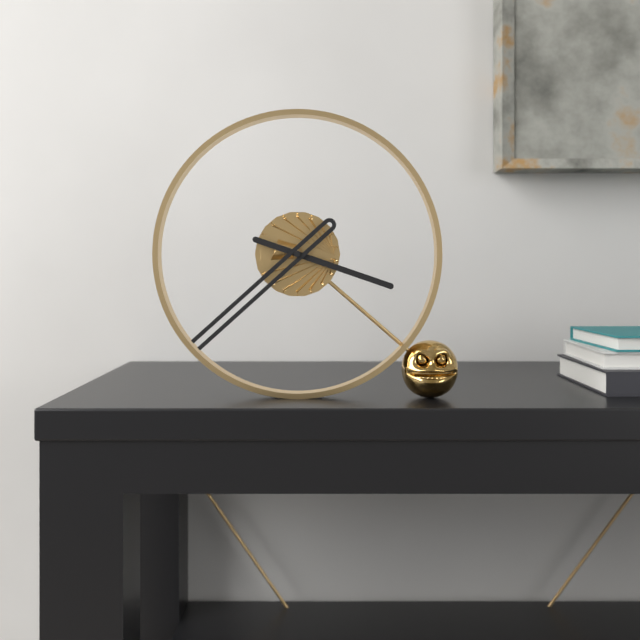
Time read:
3h38
